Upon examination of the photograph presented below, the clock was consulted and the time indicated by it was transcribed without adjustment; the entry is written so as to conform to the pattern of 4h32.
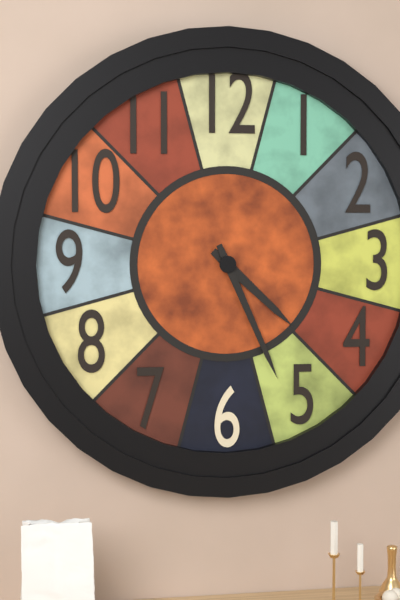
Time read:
4h26
